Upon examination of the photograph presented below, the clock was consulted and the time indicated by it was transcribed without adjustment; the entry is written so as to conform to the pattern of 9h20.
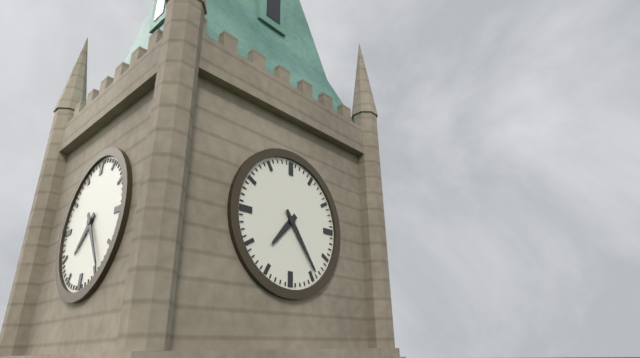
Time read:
7h24
